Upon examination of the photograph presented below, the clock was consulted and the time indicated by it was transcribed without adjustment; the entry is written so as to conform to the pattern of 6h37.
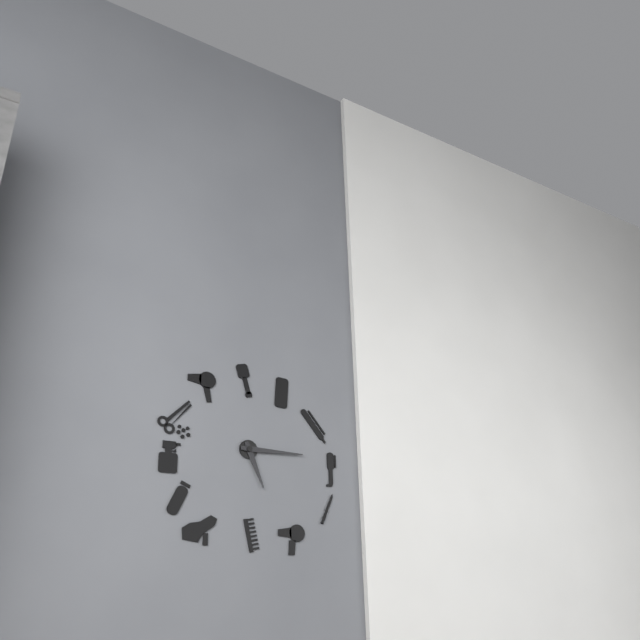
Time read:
5h15
